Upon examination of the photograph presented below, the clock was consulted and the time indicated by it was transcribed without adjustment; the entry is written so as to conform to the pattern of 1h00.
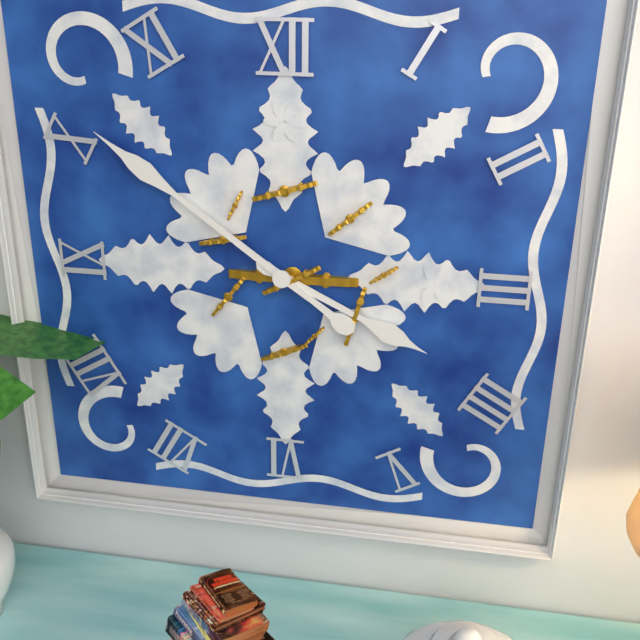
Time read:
3h51
